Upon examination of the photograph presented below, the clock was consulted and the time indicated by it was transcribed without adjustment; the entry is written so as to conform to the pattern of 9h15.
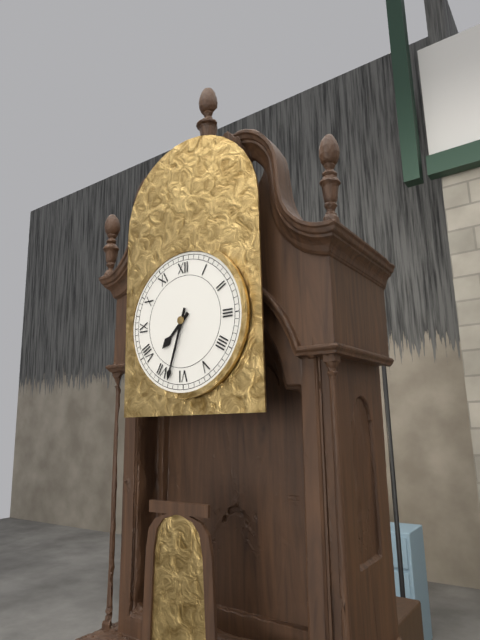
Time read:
7h33
